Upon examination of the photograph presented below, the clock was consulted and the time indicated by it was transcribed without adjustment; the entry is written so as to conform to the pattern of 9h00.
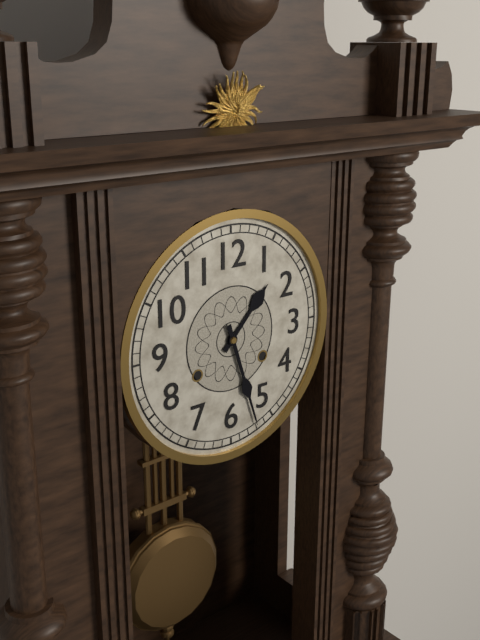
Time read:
1h27
